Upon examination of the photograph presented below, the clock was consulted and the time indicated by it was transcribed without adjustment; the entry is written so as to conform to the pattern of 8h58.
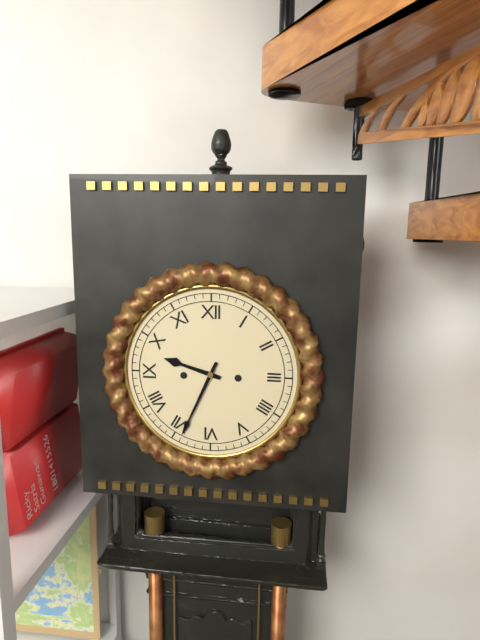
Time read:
9h34
